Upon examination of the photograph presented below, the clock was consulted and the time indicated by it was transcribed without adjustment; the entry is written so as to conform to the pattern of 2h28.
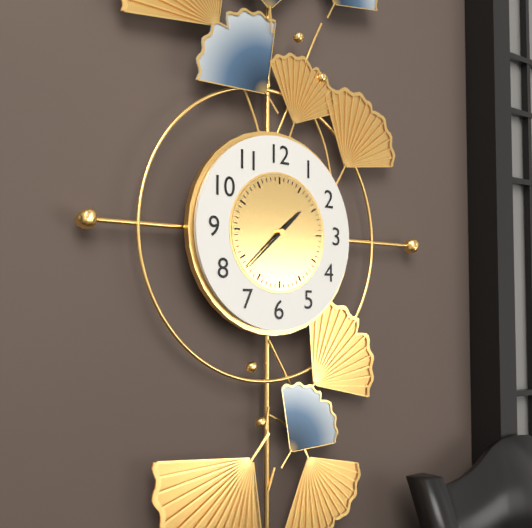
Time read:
1h38
